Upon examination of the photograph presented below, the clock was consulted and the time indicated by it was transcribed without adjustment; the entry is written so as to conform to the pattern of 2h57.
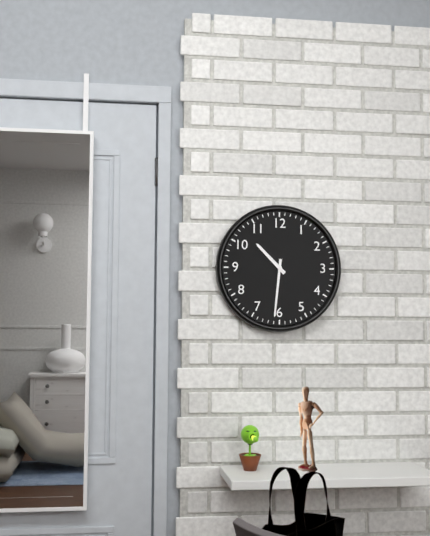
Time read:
10h31
